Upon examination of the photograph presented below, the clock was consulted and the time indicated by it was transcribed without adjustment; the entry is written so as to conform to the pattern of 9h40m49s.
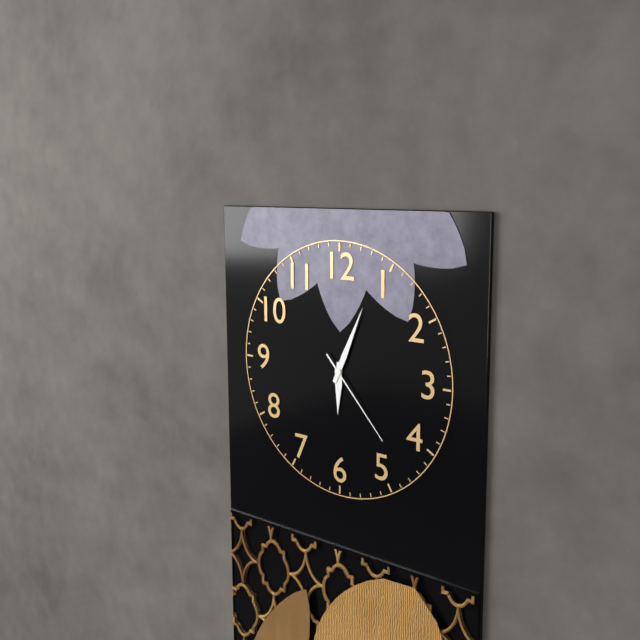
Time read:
6h04m23s
